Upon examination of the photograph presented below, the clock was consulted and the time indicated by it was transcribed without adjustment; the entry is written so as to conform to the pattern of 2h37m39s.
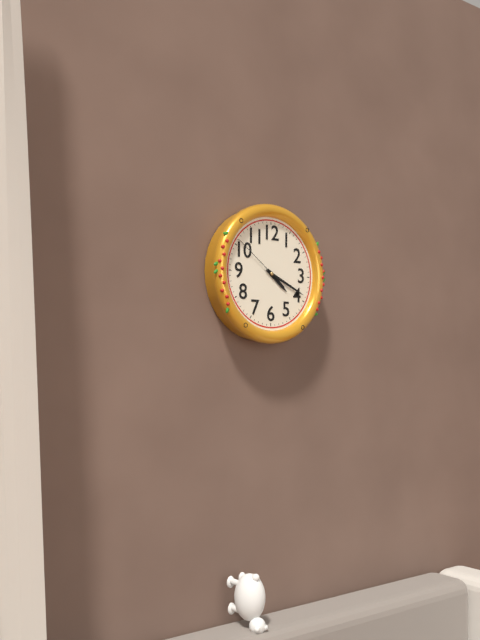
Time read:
4h19m51s
